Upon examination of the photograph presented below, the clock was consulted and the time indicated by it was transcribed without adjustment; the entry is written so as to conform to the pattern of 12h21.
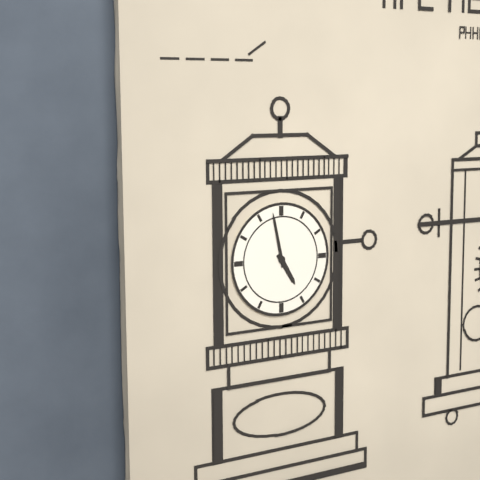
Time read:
4h58
